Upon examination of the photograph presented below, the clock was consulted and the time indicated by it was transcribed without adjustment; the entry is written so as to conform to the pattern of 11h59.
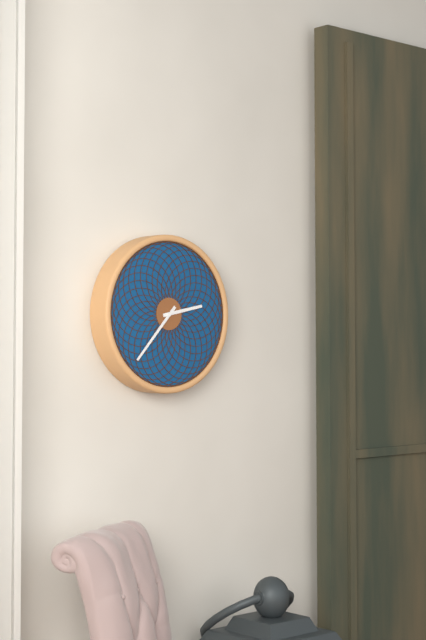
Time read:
2h37
